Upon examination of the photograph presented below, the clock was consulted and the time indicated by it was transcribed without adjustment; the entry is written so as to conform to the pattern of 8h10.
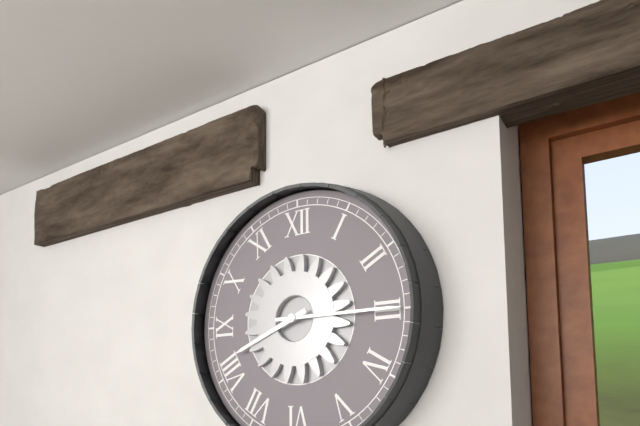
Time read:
8h15
